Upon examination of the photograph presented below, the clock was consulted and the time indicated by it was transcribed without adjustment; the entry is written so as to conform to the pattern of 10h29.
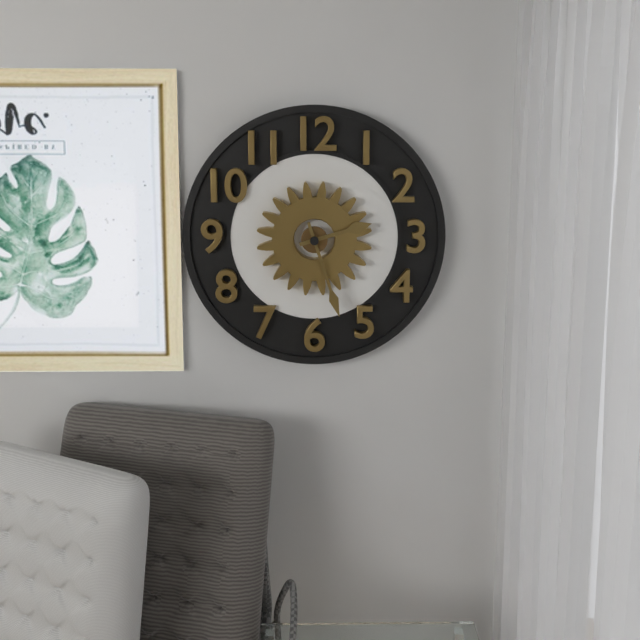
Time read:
2h27
